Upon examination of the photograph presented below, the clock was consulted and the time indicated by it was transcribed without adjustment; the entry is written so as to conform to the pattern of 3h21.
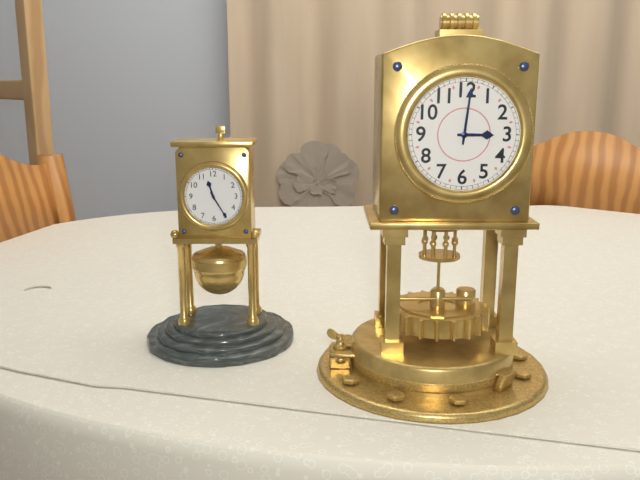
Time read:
3h01
